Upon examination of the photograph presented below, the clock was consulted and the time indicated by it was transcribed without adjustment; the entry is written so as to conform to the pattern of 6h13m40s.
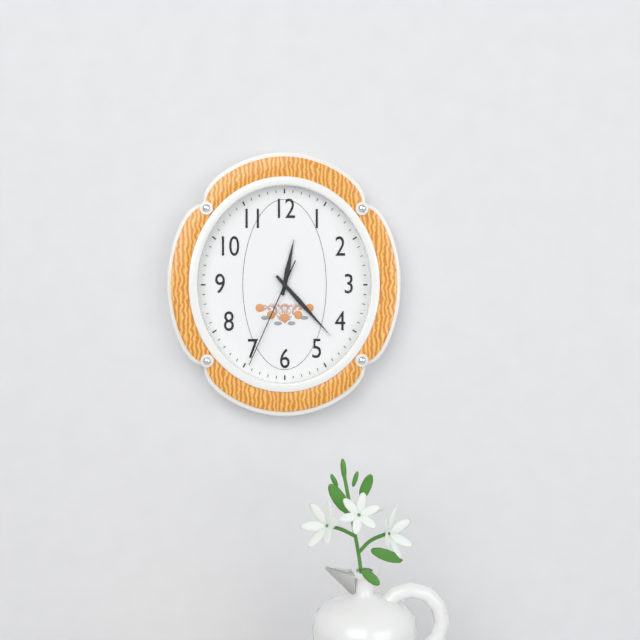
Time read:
12h23m34s
